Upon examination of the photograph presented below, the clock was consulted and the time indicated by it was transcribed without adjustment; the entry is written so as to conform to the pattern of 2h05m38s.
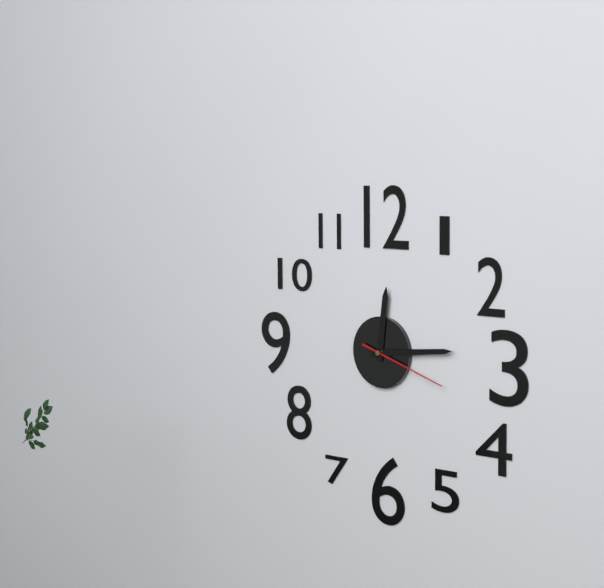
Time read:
12h14m18s
